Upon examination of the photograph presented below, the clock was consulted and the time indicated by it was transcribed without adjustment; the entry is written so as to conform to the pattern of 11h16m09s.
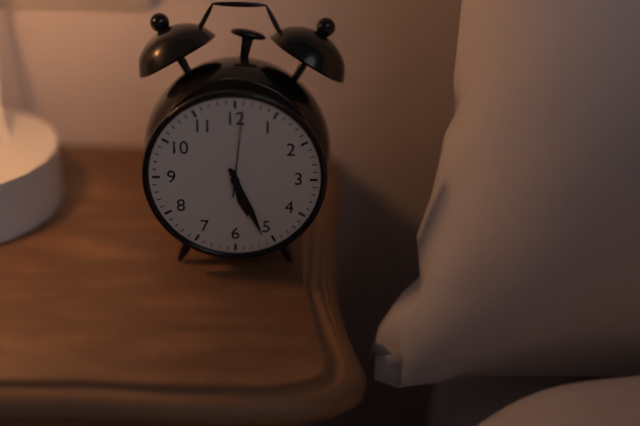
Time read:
5h26m01s
